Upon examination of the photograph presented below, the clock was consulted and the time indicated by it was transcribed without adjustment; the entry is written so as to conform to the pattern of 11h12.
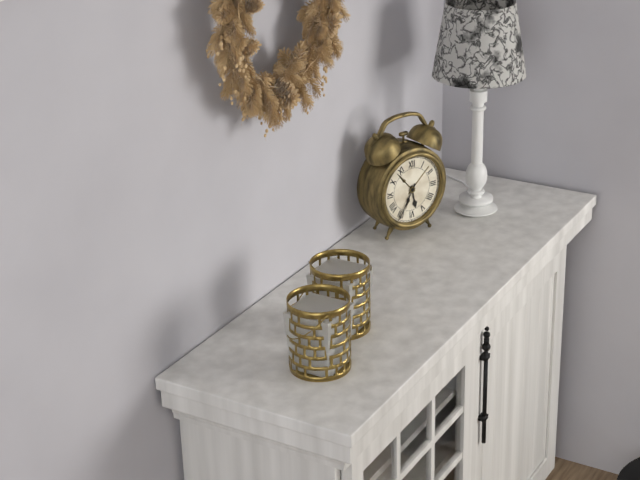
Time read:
5h35
